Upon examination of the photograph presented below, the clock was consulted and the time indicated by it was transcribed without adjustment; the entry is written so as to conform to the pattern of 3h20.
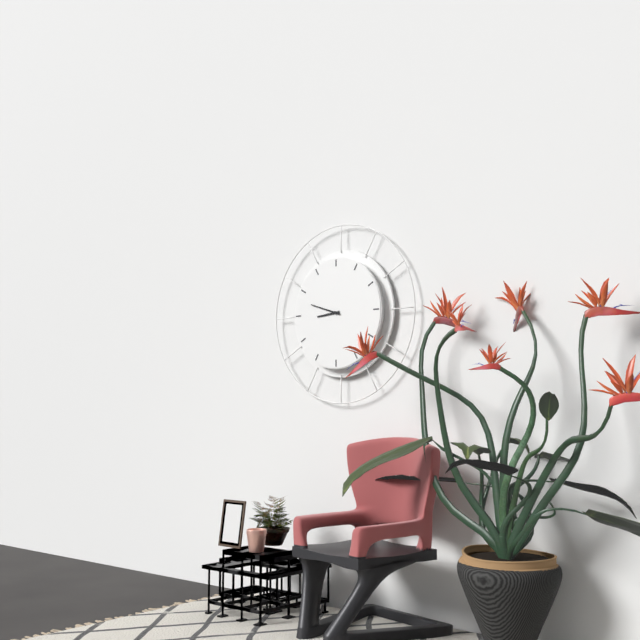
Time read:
8h48
